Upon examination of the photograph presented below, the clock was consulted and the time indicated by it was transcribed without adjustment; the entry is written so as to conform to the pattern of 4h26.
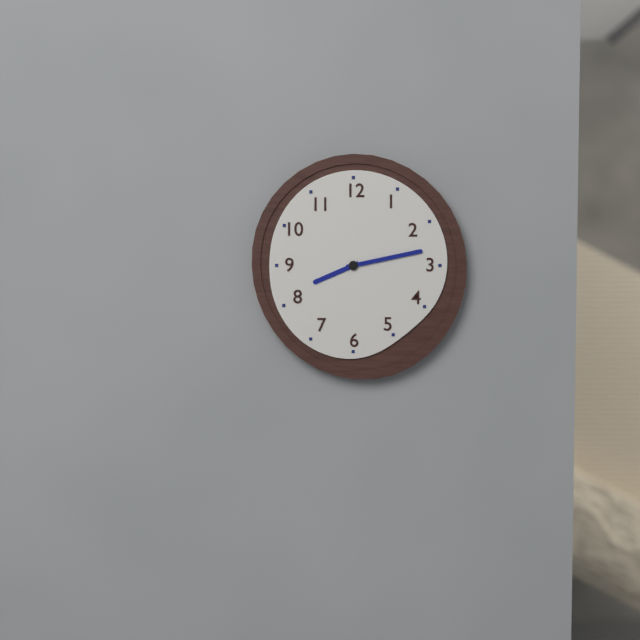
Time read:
8h13
